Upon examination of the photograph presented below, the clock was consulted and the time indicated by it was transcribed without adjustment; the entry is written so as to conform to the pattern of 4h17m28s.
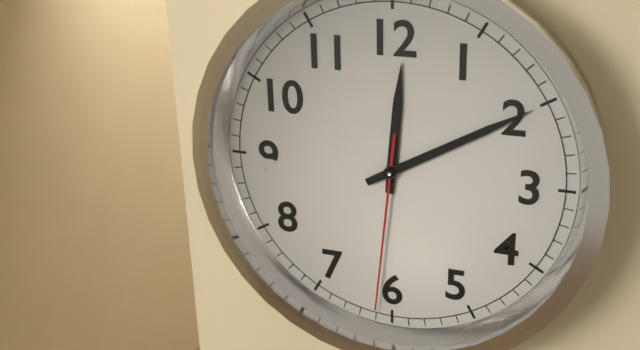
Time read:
12h10m31s
